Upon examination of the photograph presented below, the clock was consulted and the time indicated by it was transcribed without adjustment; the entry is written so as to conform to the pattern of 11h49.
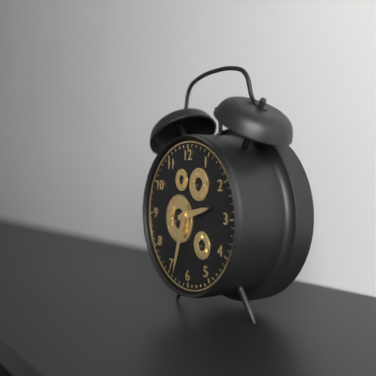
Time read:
2h33
